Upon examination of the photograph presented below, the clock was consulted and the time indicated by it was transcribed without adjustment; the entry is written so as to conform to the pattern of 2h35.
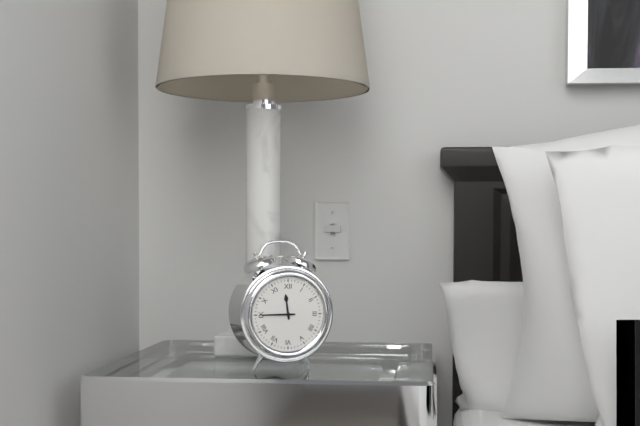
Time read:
11h45
